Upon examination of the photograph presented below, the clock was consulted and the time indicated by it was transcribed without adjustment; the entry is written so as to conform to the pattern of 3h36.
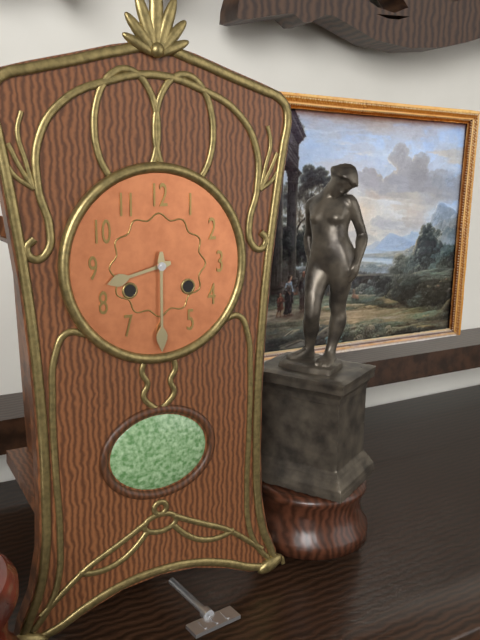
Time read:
8h30
